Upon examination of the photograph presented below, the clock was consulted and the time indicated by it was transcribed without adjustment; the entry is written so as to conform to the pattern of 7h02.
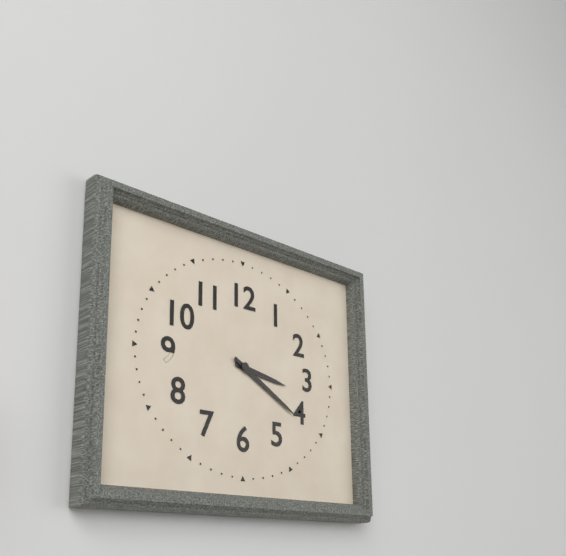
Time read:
3h20
